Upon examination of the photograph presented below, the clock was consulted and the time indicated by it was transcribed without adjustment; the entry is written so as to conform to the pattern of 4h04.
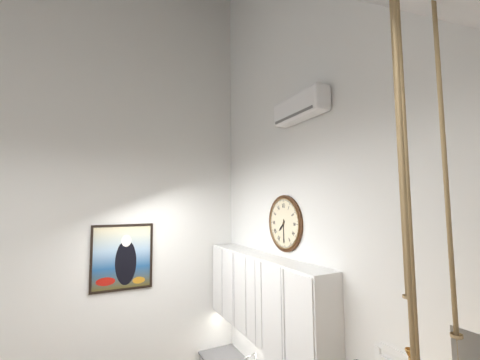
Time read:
7h30
